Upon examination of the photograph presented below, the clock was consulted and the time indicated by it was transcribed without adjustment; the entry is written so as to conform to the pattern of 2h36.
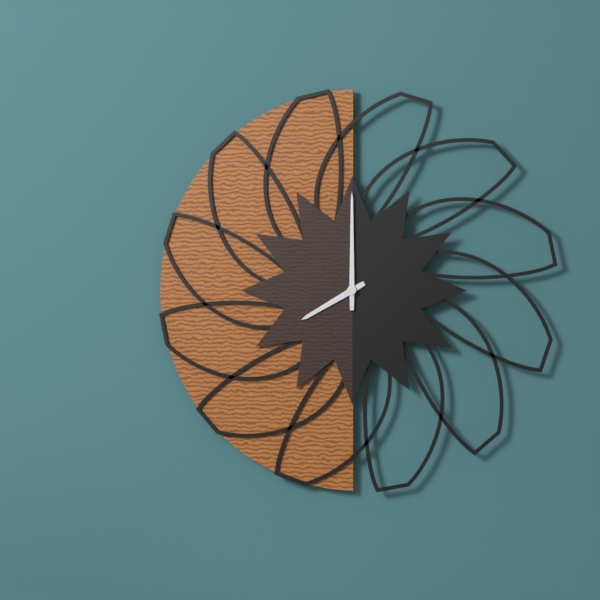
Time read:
8h00
